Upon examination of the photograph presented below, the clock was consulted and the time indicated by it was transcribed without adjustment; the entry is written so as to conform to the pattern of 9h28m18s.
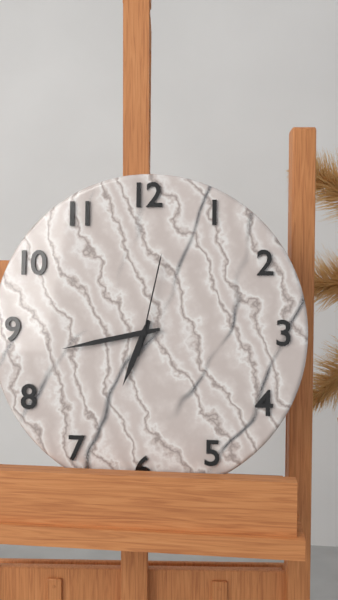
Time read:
6h43m02s
